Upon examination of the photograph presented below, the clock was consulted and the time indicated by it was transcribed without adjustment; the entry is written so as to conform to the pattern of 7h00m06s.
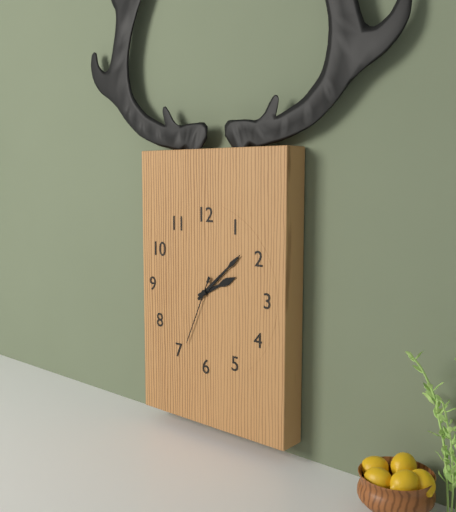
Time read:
2h08m34s
